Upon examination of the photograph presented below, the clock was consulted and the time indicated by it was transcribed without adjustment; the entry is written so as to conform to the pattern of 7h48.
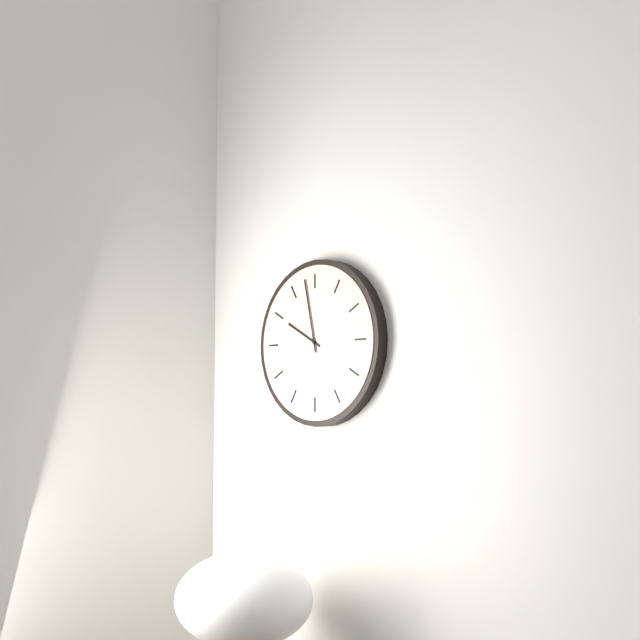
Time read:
9h58
